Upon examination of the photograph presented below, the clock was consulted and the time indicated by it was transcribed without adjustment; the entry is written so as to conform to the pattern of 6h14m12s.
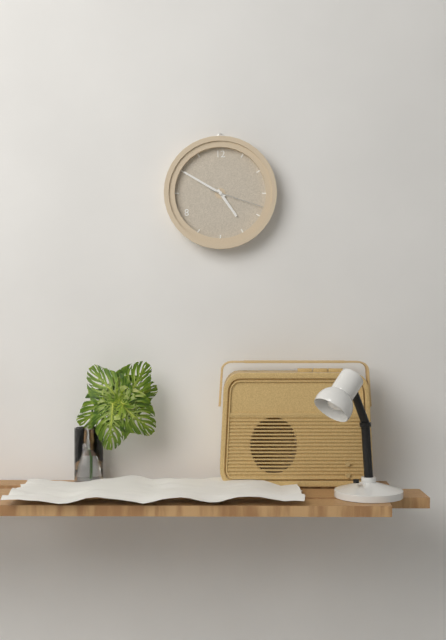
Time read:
4h50m18s
